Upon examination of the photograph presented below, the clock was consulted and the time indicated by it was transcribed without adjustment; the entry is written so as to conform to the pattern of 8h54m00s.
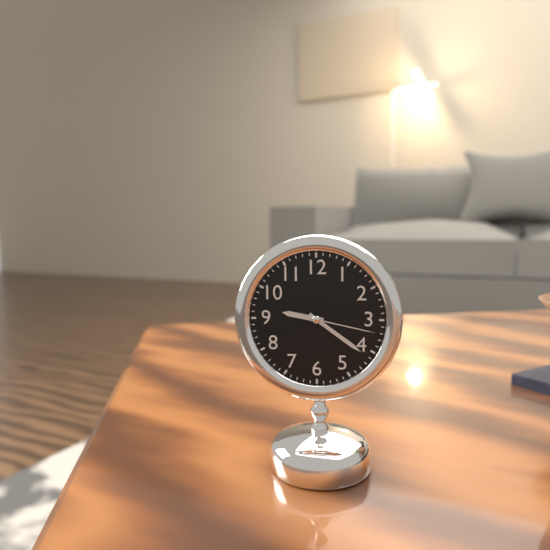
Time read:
9h21m17s
